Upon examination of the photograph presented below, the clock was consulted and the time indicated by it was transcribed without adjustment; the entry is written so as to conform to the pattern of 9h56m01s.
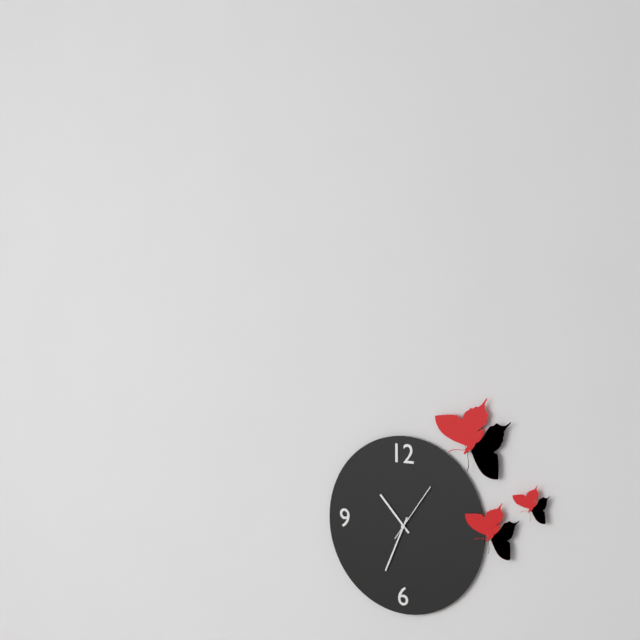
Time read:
10h34m06s
